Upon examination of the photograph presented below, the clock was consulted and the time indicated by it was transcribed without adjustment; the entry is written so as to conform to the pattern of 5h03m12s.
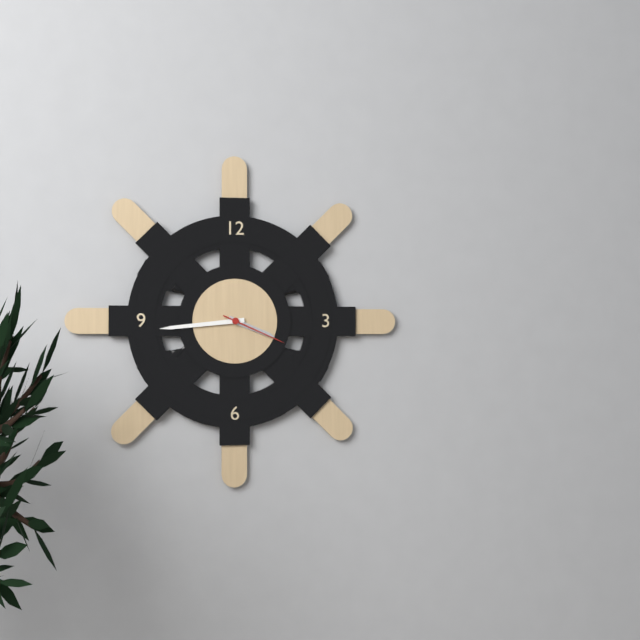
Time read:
3h44m19s
